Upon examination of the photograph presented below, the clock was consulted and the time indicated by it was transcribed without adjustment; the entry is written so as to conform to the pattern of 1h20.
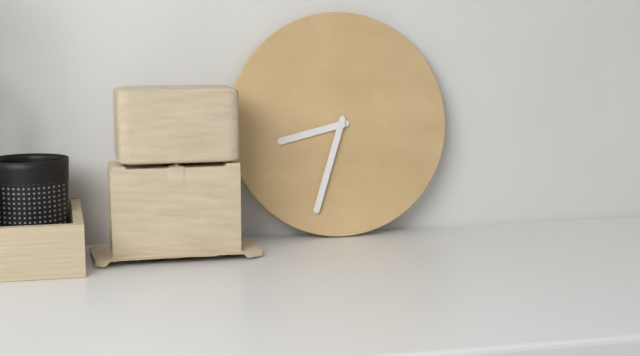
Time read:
8h33
